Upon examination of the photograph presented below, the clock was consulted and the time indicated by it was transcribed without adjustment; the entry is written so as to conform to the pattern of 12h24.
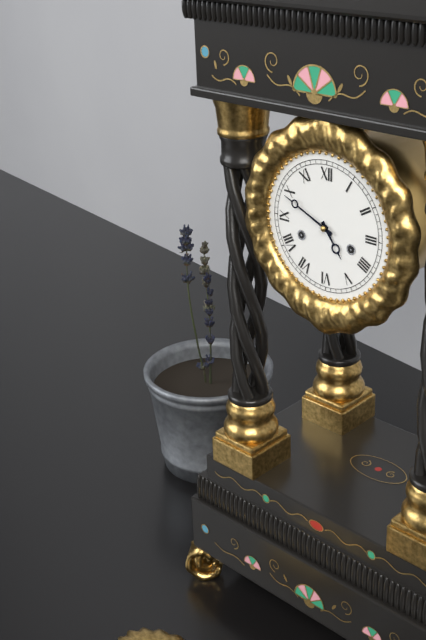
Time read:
4h49
